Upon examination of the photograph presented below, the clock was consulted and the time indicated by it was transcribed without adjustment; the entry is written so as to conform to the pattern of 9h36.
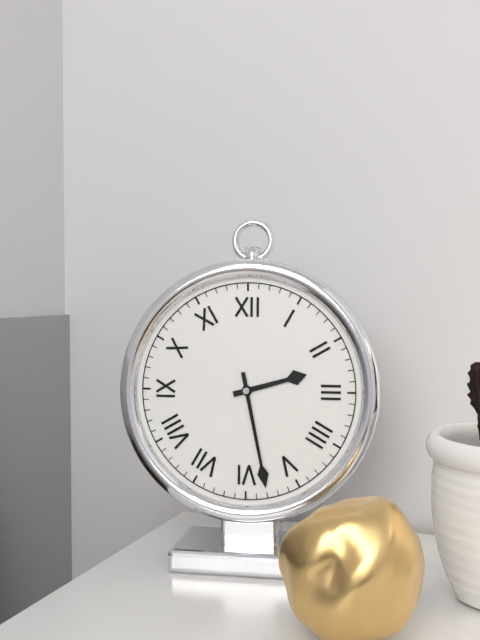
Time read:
2h28
